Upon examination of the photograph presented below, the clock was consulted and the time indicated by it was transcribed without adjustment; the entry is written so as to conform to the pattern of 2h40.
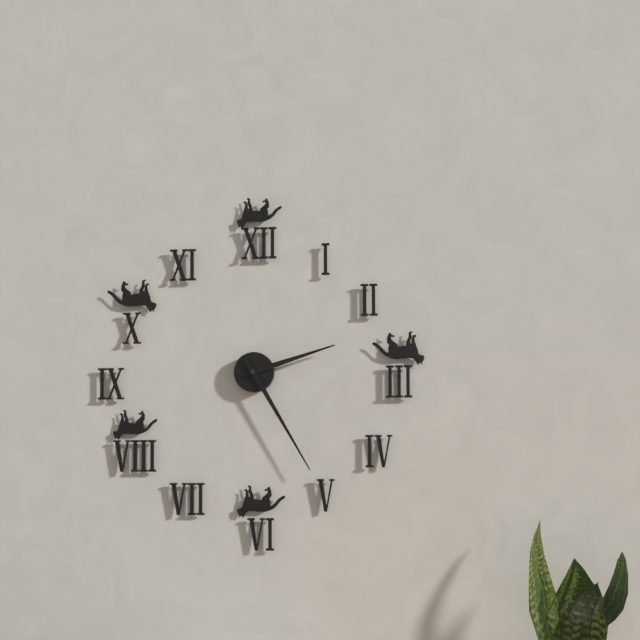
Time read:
2h25
